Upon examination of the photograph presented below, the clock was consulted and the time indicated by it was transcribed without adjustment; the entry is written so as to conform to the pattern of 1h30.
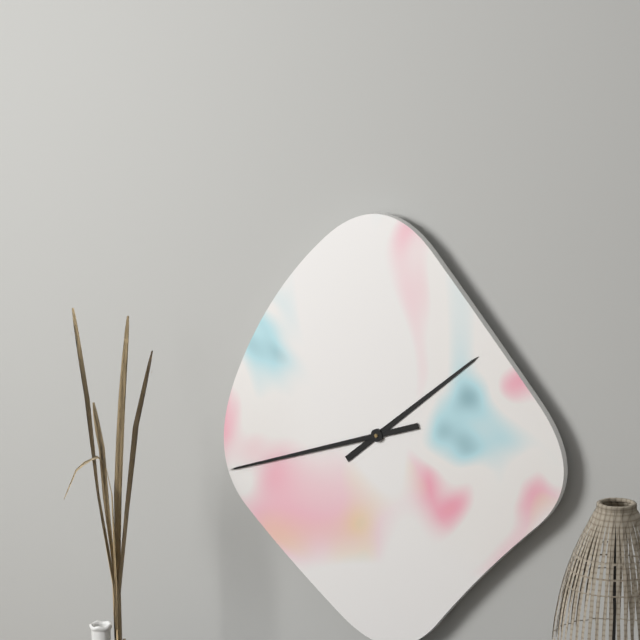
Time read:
1h42
